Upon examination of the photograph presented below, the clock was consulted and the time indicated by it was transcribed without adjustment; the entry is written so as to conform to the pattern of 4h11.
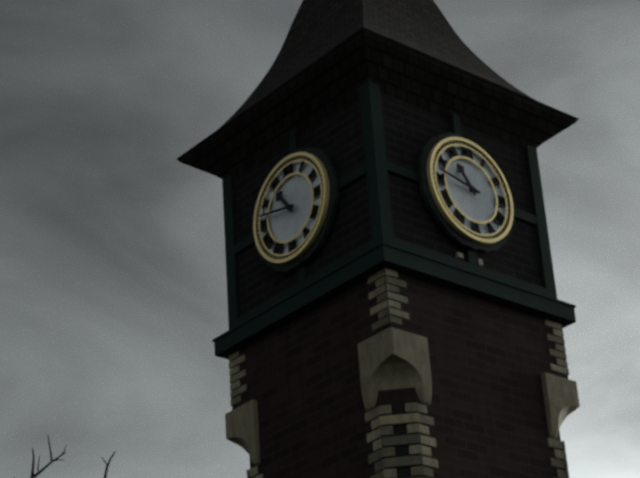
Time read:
10h47
